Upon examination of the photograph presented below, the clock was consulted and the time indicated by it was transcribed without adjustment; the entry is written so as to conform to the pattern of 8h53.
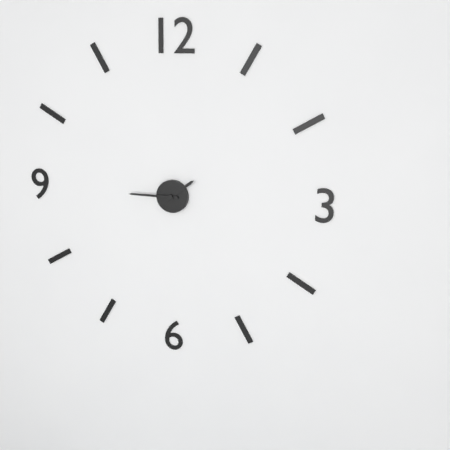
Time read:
1h45
